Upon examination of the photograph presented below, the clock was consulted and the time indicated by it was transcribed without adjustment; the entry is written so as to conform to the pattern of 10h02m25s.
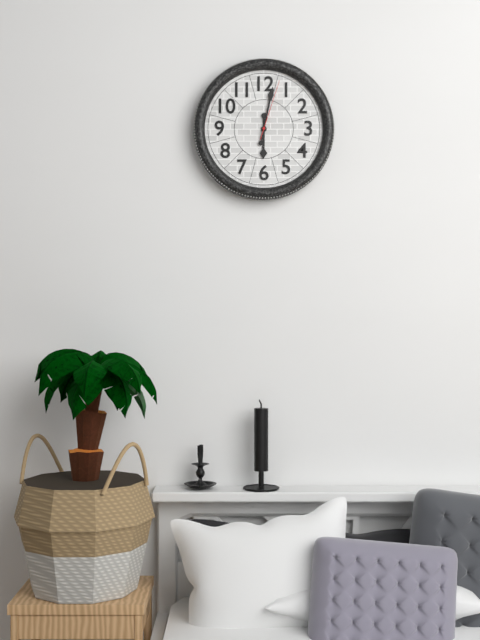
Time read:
6h02m03s
